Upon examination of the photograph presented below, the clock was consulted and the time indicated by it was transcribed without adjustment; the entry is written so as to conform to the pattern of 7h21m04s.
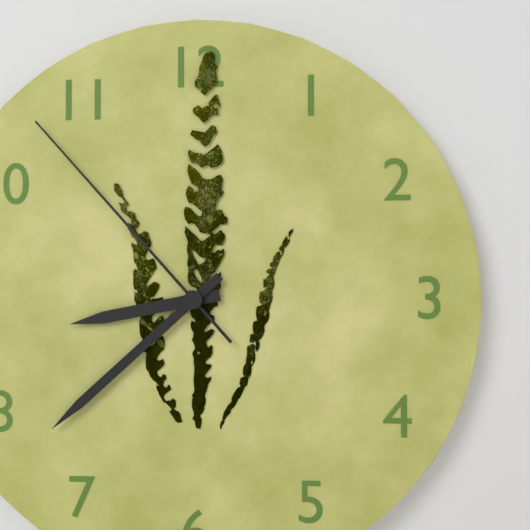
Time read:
8h38m53s
